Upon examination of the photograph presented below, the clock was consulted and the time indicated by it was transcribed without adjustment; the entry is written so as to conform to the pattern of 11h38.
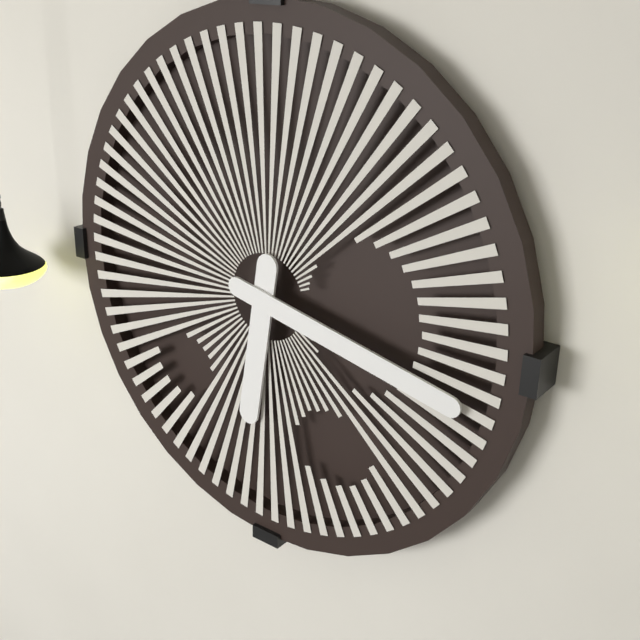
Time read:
6h17
